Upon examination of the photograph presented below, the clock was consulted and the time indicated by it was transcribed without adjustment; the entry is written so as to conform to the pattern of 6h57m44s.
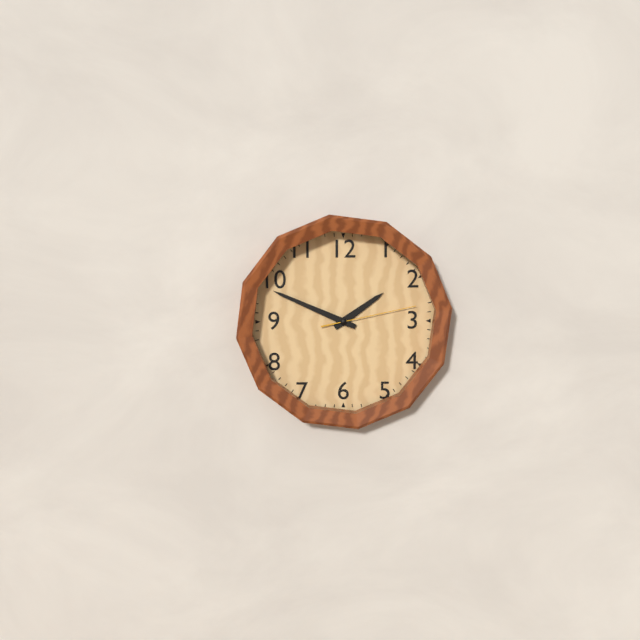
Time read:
1h49m13s
